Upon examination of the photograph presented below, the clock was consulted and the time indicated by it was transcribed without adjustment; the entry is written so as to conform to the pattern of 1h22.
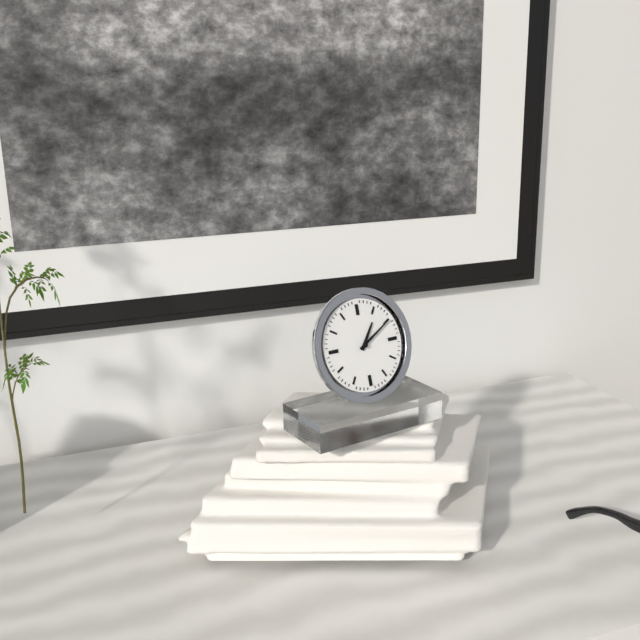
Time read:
1h10
